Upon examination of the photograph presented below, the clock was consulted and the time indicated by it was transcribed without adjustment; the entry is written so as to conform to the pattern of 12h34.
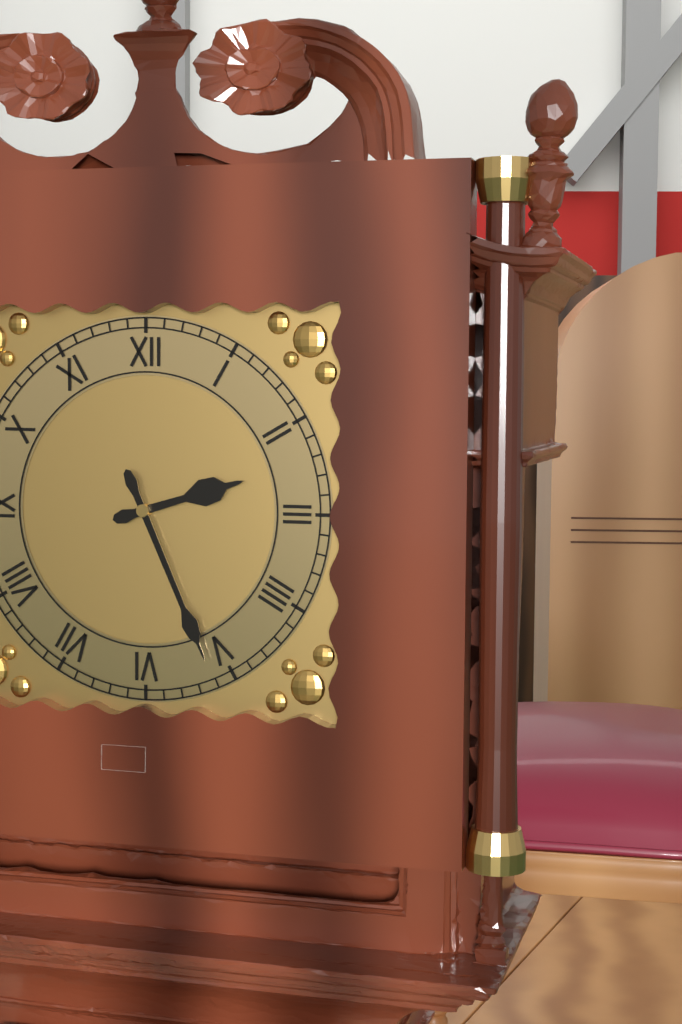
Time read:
2h26
